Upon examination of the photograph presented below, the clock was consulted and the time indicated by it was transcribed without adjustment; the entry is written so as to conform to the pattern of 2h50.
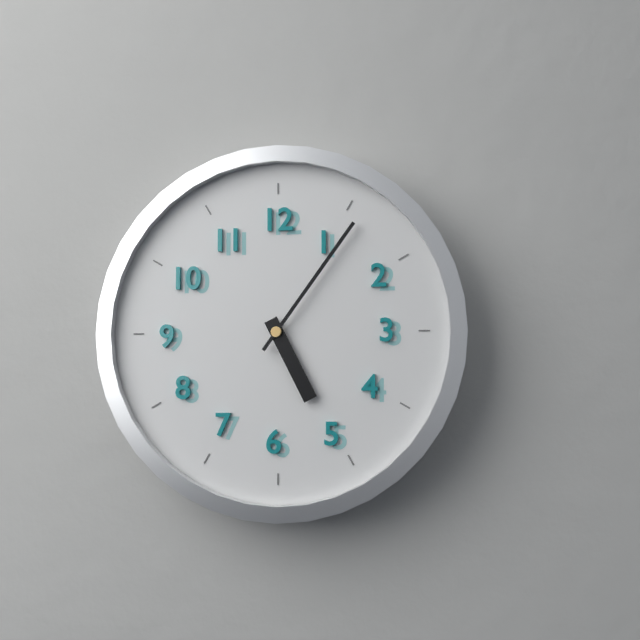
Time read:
5h06
